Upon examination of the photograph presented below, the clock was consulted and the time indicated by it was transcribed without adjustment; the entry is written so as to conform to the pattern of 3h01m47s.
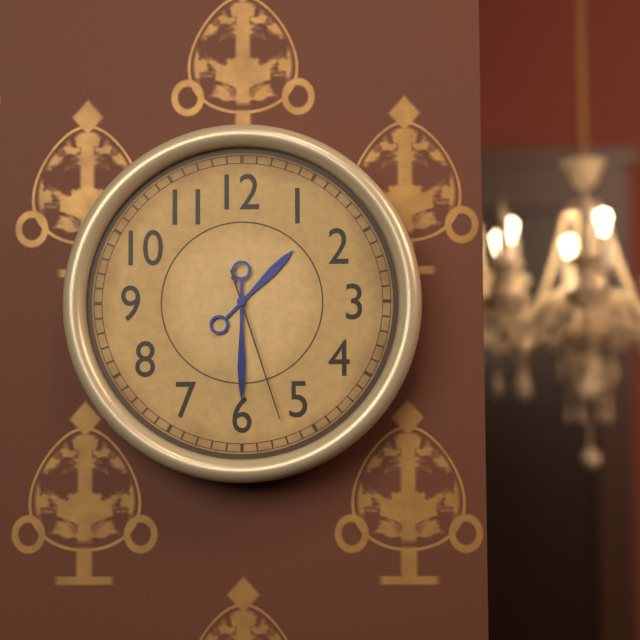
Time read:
1h30m27s
